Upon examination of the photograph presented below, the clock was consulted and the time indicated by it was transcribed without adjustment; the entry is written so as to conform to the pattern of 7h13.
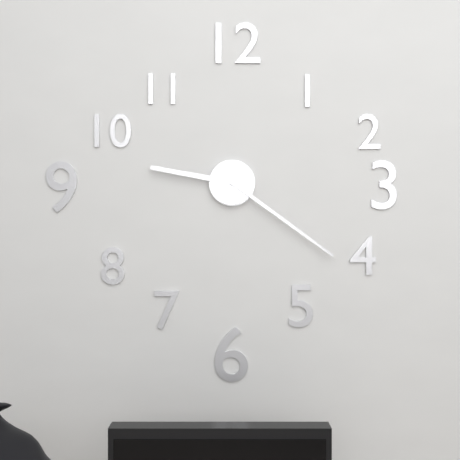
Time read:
9h21
